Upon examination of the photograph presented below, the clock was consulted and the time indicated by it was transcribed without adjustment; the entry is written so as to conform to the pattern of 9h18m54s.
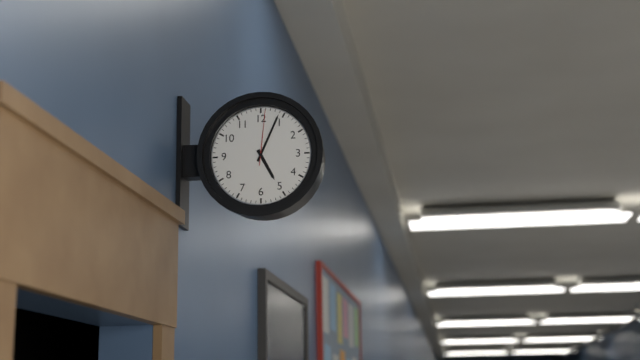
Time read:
5h04m01s
